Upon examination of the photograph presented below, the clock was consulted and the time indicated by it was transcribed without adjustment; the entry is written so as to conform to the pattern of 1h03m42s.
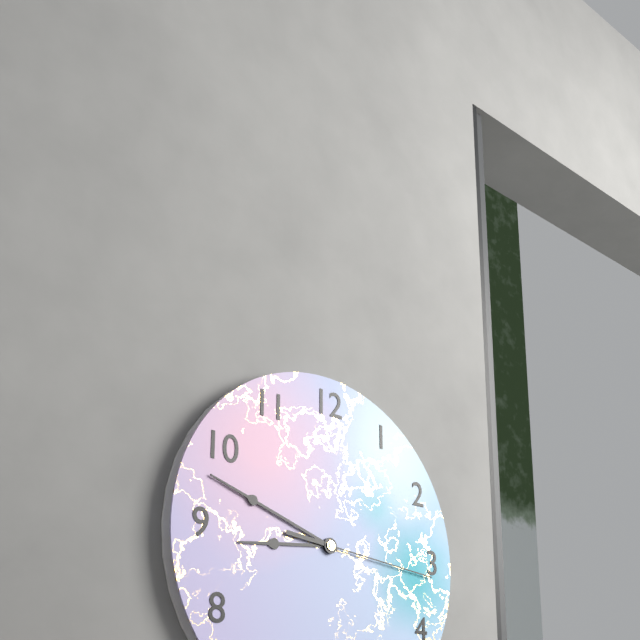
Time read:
8h48m16s
